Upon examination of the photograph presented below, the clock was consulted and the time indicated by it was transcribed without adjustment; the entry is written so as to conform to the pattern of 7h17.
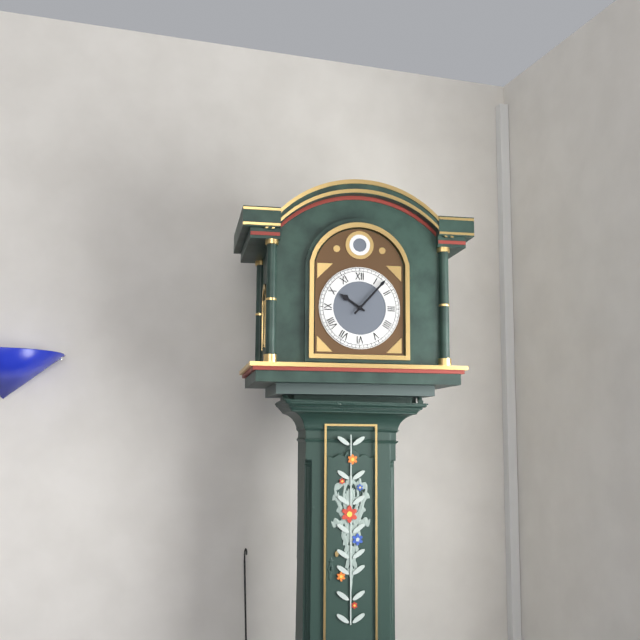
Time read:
10h07
